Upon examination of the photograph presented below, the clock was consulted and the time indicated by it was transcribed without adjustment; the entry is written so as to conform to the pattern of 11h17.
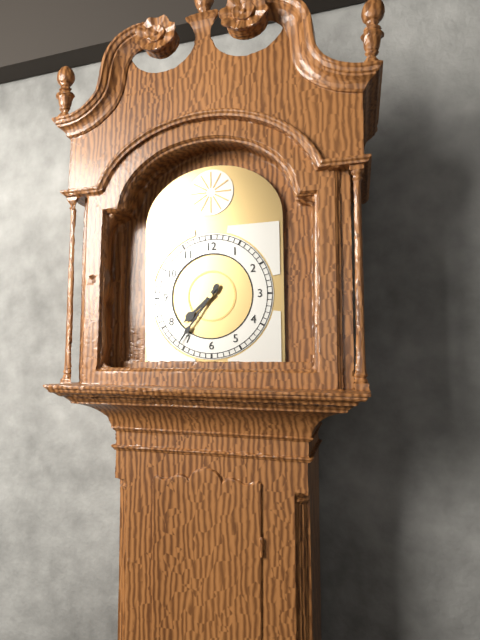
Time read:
7h36
